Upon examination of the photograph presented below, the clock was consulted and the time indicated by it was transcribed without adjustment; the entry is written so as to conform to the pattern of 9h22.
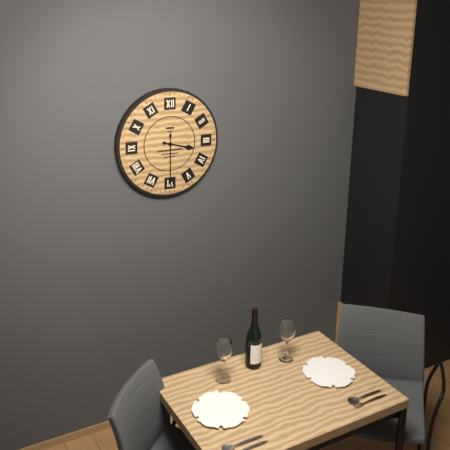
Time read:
3h30
